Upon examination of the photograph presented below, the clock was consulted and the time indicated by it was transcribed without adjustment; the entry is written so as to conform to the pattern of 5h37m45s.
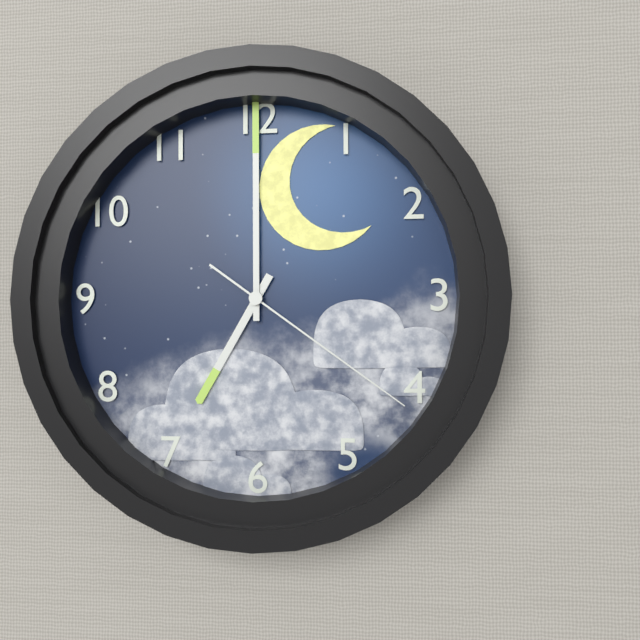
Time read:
7h00m21s
